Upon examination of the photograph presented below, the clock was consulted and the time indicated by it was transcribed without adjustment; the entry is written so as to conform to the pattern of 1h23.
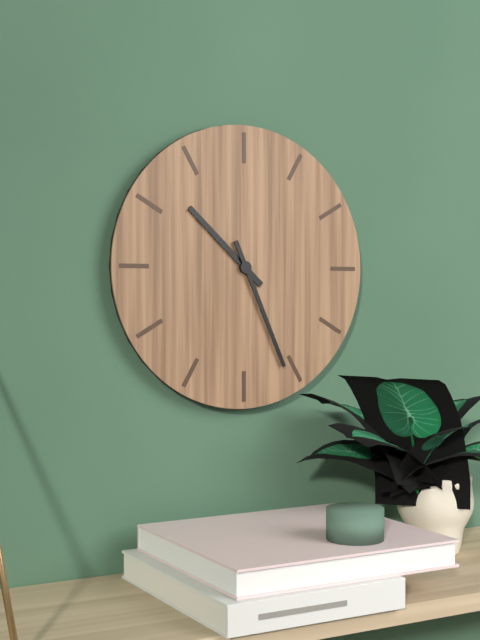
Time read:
10h26
